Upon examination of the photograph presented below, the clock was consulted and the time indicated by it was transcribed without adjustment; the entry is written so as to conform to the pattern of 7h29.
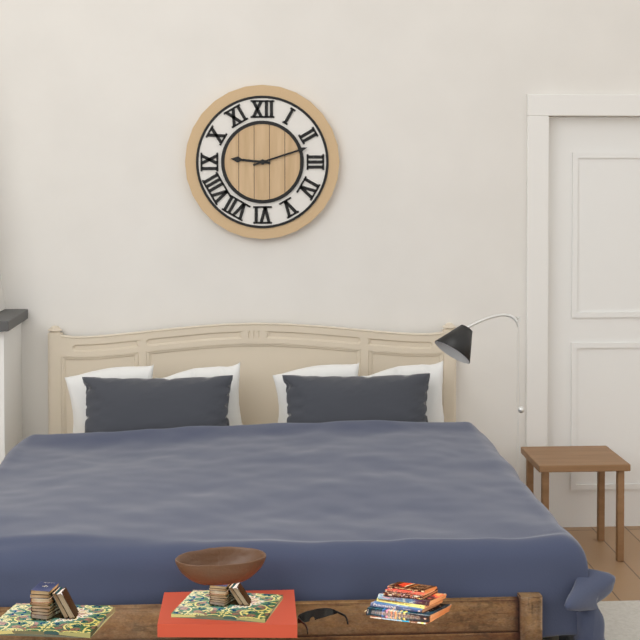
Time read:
9h12
